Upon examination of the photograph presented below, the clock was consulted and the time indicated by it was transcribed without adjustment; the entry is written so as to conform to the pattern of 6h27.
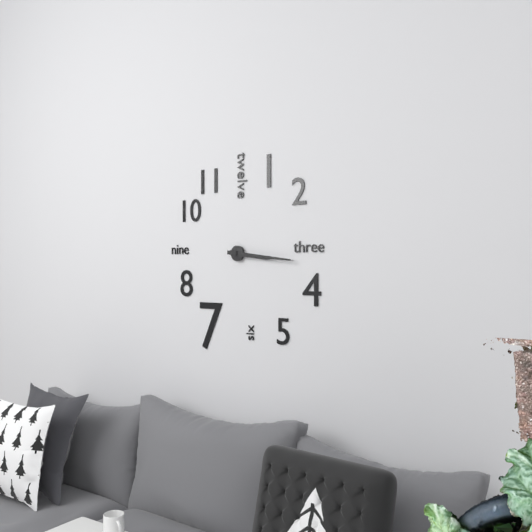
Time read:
3h16
